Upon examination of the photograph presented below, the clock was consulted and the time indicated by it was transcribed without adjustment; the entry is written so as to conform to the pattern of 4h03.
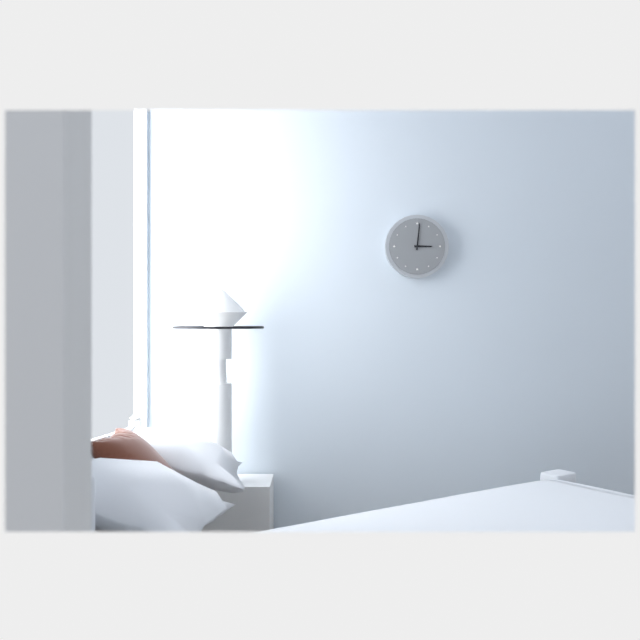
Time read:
3h01
